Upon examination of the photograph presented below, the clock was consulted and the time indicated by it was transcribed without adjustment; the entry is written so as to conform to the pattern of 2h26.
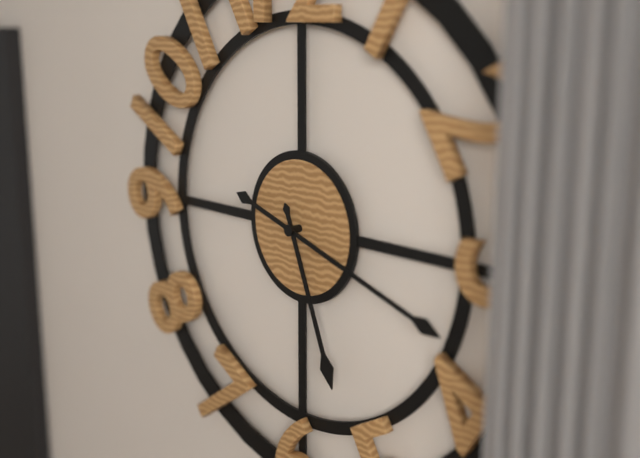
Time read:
5h18
